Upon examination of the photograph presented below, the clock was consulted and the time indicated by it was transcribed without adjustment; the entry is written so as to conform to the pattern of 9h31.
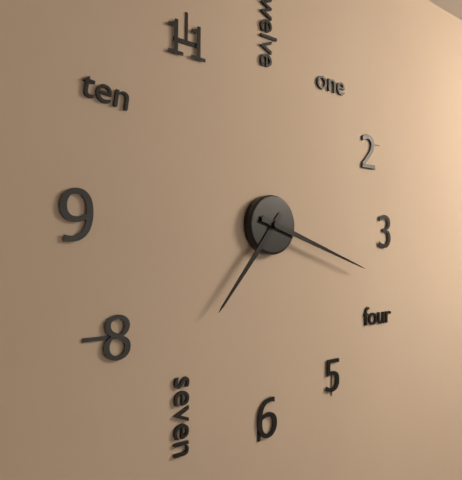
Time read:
7h18
